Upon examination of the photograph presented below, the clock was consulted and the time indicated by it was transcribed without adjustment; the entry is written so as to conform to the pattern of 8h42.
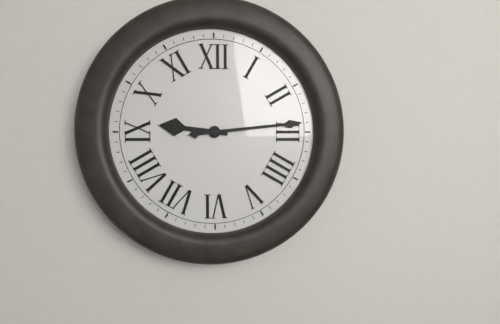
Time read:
9h14
